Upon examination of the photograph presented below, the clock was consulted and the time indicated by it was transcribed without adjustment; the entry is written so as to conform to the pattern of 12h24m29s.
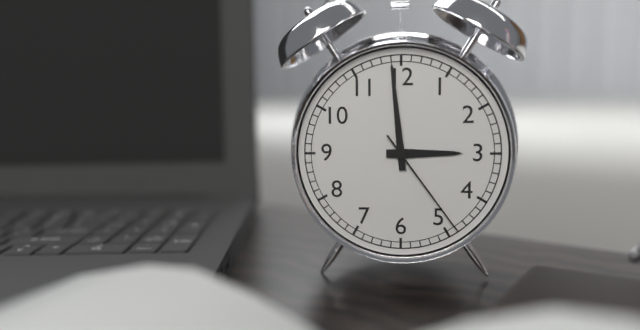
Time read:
2h59m24s
